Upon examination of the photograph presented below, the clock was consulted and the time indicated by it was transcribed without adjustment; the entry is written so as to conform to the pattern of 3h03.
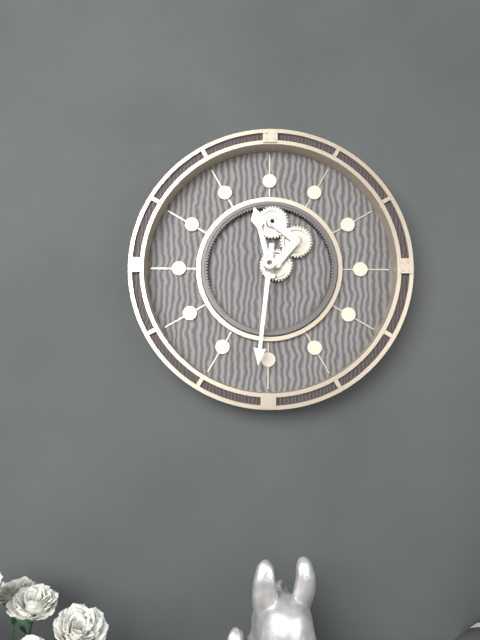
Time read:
11h31
